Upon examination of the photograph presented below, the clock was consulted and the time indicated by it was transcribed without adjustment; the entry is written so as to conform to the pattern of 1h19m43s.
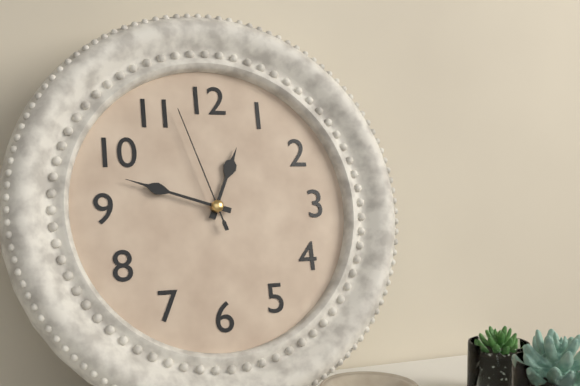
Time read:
12h48m57s
